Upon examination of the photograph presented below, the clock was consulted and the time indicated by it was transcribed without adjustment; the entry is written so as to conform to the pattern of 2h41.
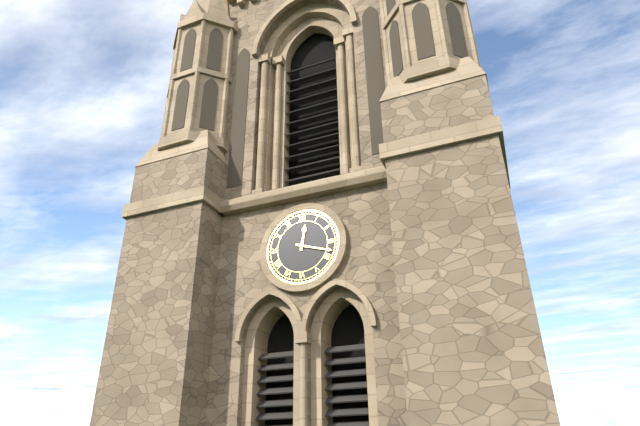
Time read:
12h18
